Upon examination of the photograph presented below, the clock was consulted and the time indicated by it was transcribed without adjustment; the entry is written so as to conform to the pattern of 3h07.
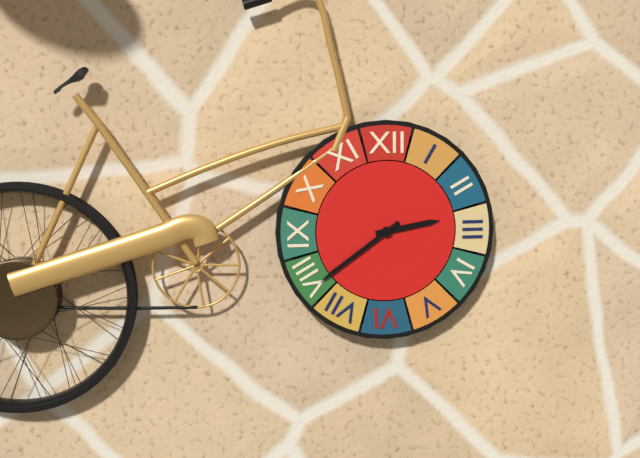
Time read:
2h39
